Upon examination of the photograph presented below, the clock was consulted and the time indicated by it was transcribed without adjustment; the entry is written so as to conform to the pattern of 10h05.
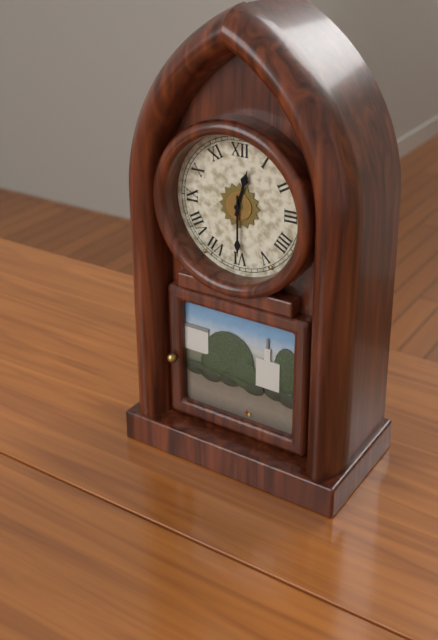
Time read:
12h30
